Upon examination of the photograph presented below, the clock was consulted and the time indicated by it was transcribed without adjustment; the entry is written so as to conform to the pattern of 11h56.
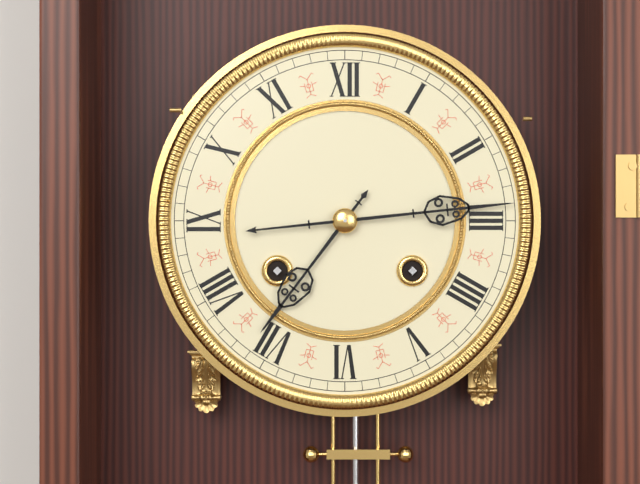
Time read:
7h14
